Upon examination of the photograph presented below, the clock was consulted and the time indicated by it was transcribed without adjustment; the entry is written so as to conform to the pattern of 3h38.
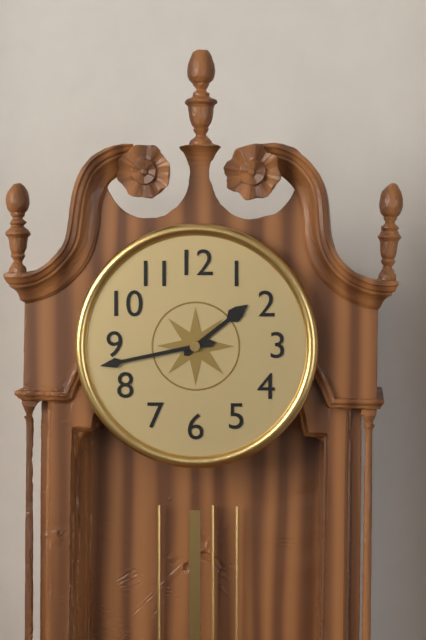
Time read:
1h43
